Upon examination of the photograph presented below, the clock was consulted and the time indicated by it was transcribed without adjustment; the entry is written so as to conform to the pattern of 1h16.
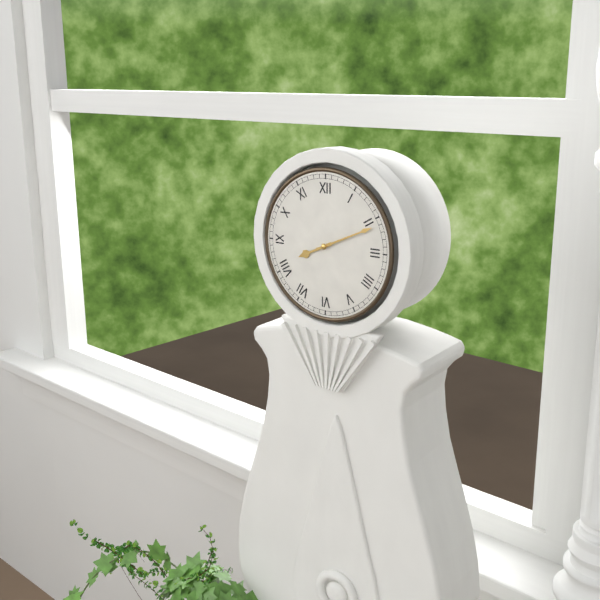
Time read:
8h11
